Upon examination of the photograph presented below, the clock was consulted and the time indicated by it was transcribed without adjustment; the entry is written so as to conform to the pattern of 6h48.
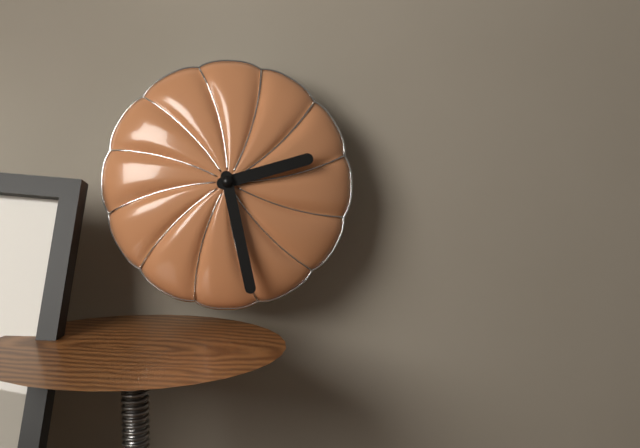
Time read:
2h28
